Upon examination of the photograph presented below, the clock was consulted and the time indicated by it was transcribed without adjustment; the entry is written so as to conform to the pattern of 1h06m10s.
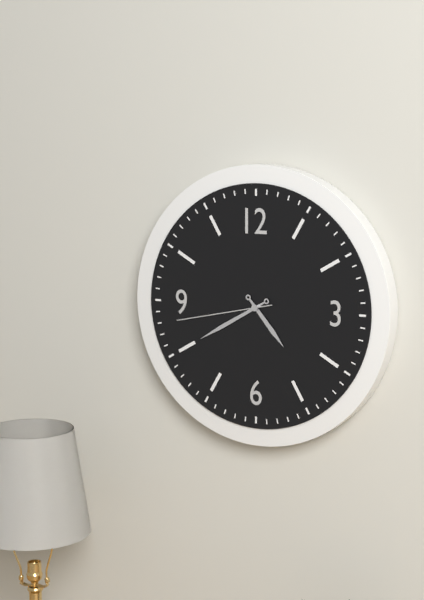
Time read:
4h40m43s
